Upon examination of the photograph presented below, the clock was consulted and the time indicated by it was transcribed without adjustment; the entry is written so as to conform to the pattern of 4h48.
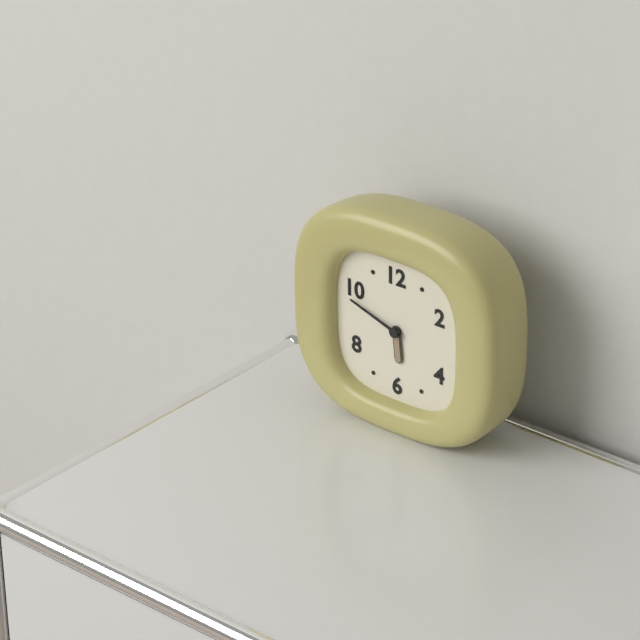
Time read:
5h48
